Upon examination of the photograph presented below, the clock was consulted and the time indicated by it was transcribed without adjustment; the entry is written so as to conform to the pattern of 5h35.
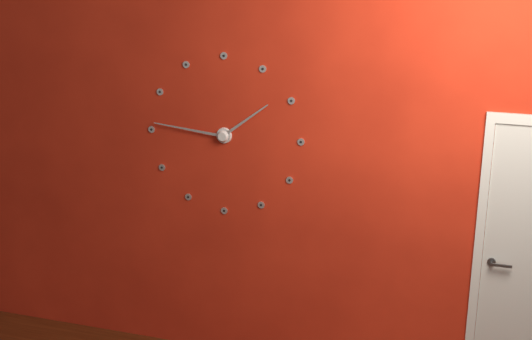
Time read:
1h46
